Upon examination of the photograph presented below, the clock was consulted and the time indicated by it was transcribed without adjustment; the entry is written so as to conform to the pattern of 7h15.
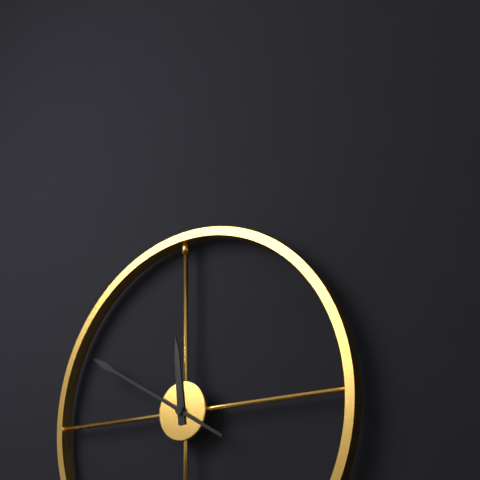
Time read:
11h50
